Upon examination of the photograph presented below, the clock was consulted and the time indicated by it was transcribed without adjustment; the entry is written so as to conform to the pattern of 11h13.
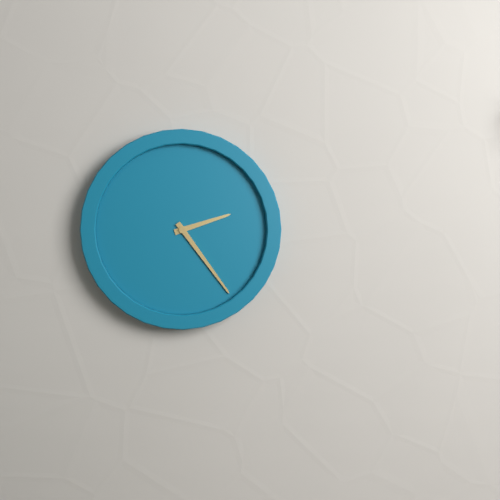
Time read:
2h24
